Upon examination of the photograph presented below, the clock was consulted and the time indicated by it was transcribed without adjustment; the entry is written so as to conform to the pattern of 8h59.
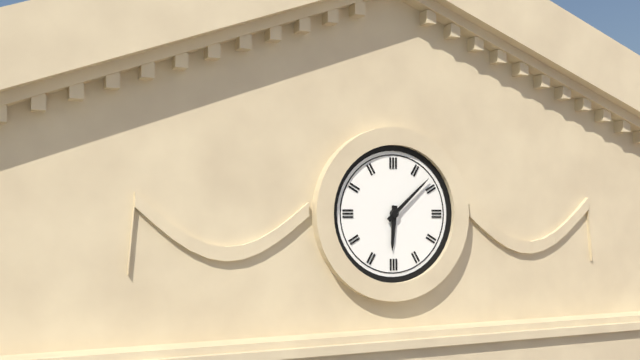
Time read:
6h08
